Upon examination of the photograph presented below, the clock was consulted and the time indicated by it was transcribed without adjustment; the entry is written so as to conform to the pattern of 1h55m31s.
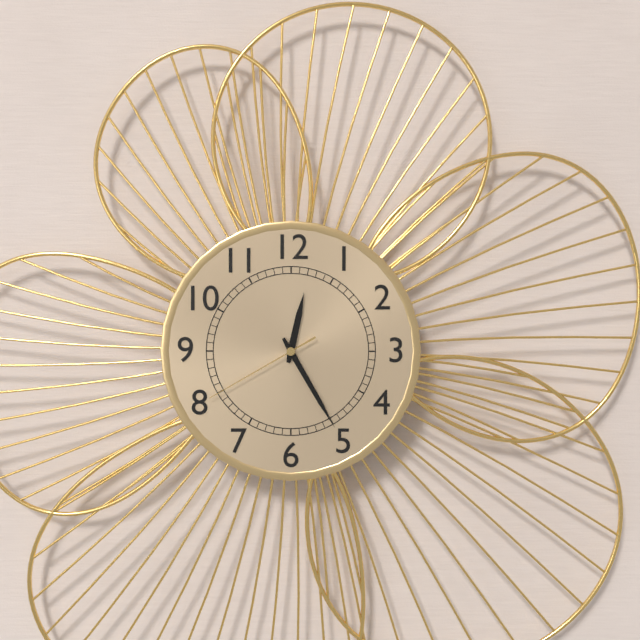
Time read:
12h25m40s
